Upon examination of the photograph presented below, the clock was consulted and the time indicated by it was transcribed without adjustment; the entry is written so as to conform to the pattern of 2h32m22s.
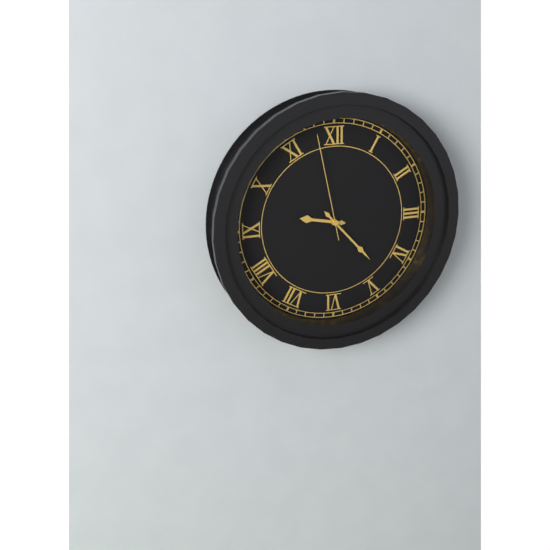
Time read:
9h23m58s
